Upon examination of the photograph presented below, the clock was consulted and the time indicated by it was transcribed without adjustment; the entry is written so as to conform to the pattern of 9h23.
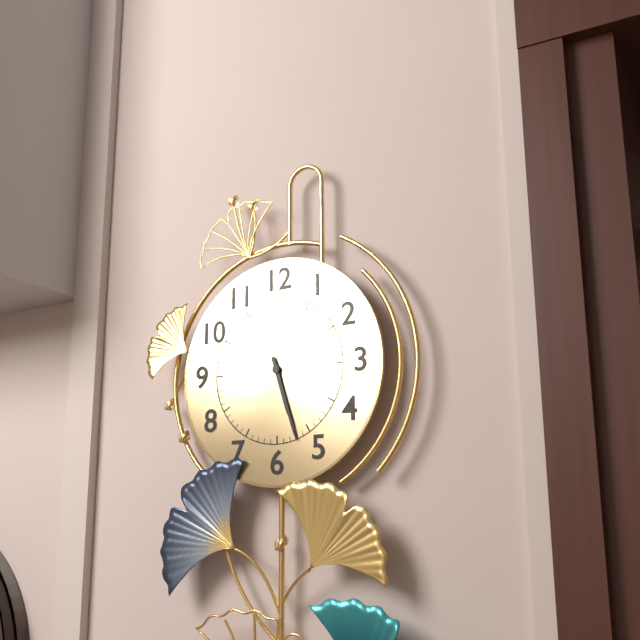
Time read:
5h27
